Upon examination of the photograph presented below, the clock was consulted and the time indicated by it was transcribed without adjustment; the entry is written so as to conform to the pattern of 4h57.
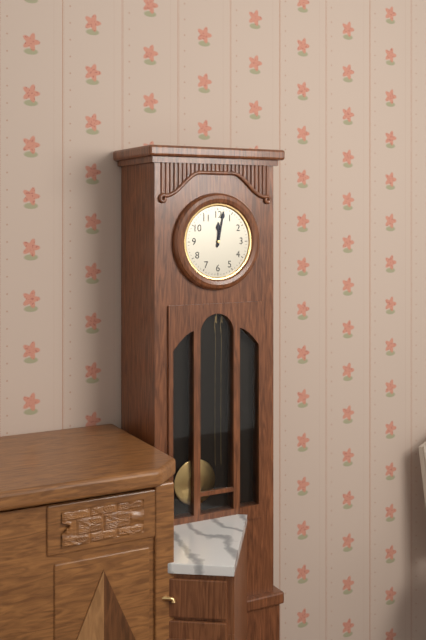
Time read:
12h02
